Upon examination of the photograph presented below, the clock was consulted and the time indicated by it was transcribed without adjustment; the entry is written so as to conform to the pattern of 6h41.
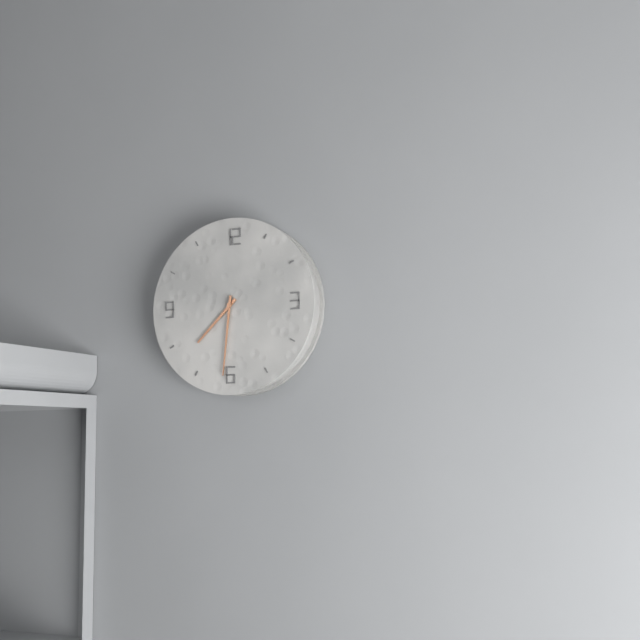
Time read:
7h31
